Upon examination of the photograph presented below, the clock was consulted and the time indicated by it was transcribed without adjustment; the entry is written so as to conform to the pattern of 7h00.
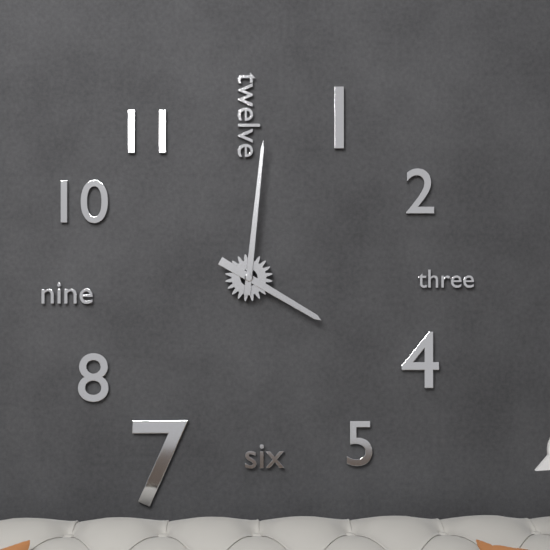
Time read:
4h01
